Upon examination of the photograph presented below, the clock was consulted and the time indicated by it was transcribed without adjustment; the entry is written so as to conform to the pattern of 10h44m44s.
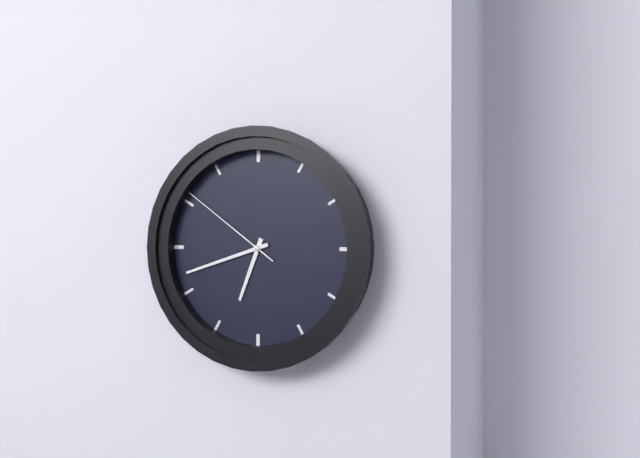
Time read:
6h42m51s
